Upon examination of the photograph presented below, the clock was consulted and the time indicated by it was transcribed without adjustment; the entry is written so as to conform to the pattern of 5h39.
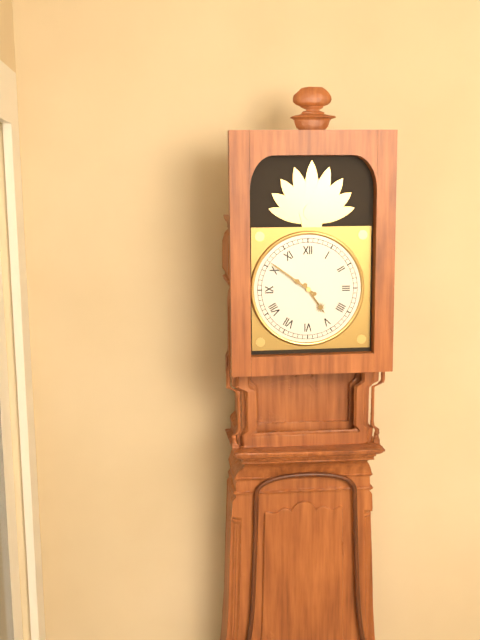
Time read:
4h51
